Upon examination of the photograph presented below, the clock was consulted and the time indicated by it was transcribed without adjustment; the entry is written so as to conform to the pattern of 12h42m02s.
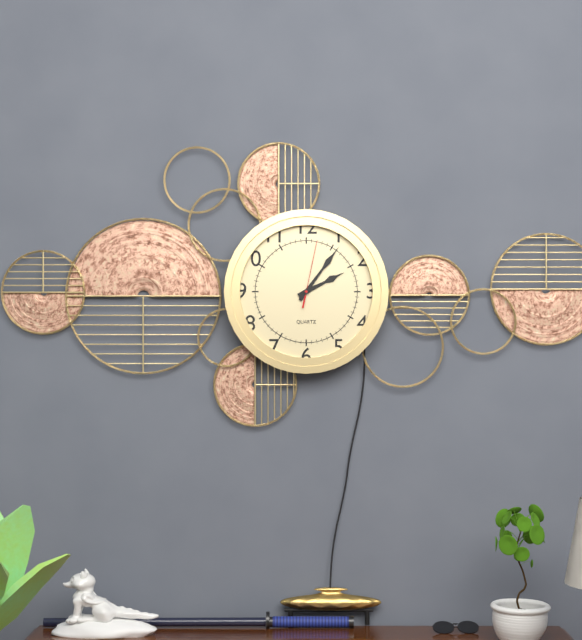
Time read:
2h06m02s
